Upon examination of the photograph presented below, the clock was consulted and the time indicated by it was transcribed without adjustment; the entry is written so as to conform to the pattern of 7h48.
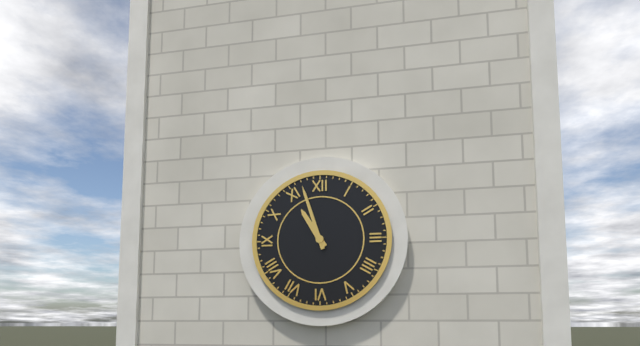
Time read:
10h57
